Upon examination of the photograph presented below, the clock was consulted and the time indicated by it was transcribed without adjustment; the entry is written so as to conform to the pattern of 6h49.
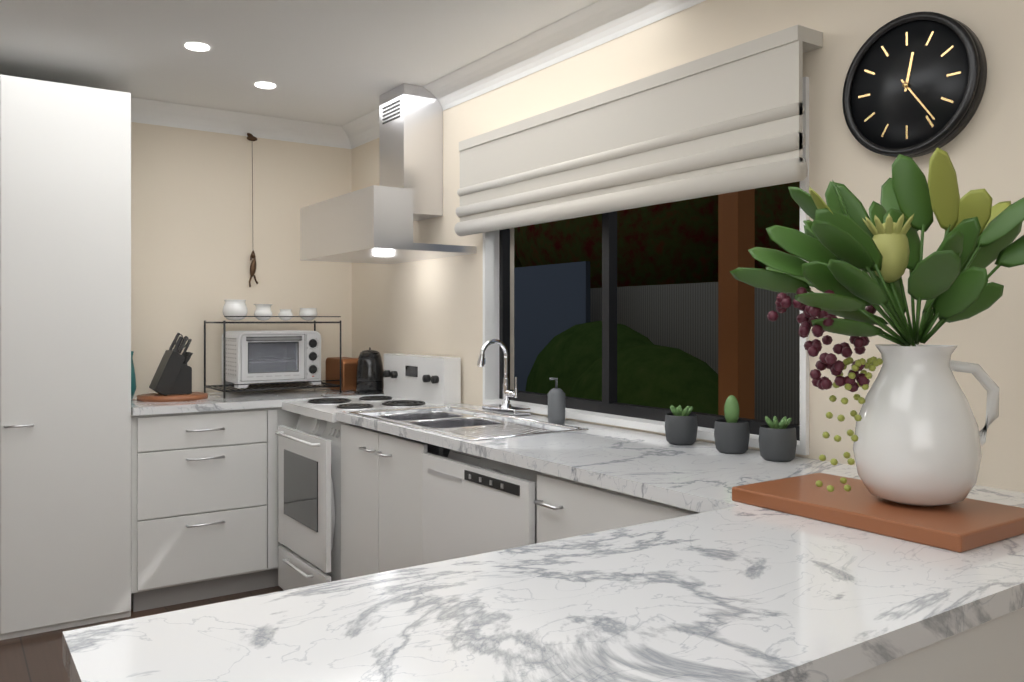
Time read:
12h24
